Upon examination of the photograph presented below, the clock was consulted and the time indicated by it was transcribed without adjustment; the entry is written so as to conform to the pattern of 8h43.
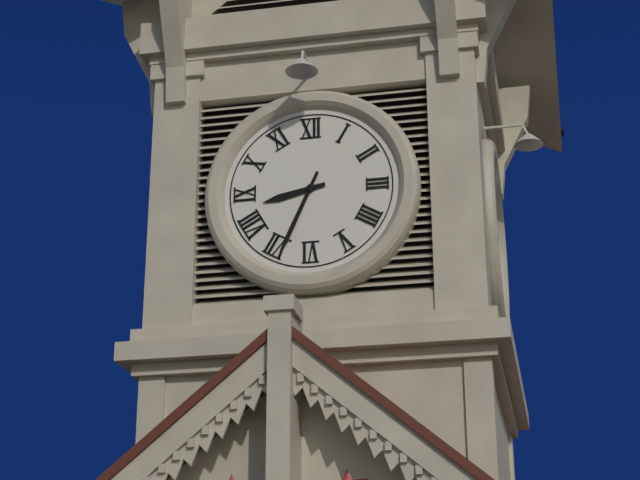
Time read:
8h34
